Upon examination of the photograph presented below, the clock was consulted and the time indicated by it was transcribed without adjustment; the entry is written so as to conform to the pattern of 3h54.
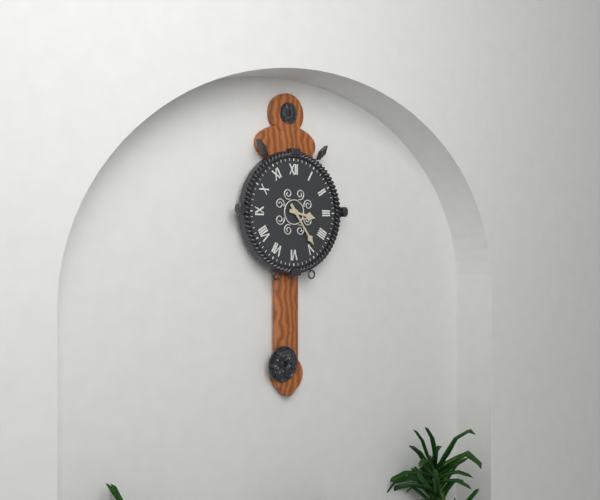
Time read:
3h24
